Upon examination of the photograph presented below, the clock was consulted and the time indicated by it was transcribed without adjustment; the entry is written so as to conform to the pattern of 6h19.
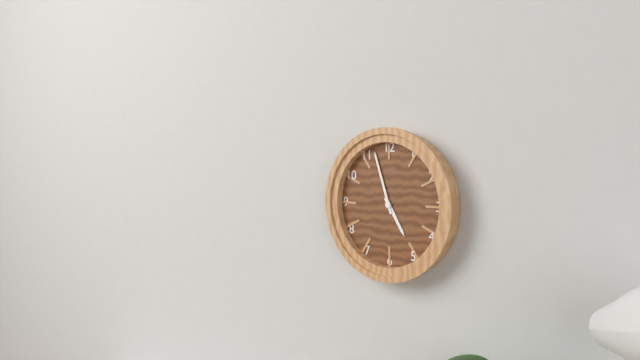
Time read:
4h57
